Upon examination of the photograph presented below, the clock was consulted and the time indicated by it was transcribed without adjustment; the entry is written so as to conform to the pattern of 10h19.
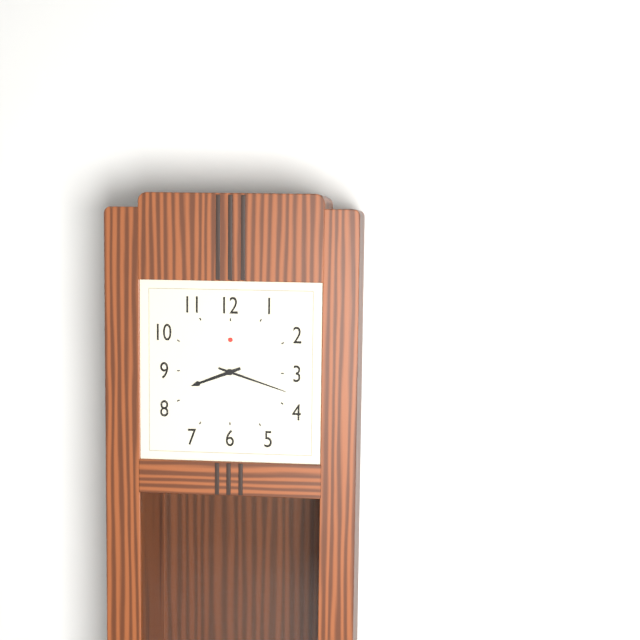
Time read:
8h18
